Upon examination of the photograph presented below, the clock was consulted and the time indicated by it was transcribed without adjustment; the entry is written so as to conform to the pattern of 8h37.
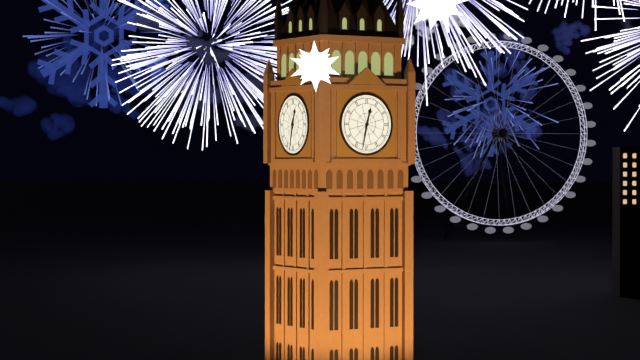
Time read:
12h32
